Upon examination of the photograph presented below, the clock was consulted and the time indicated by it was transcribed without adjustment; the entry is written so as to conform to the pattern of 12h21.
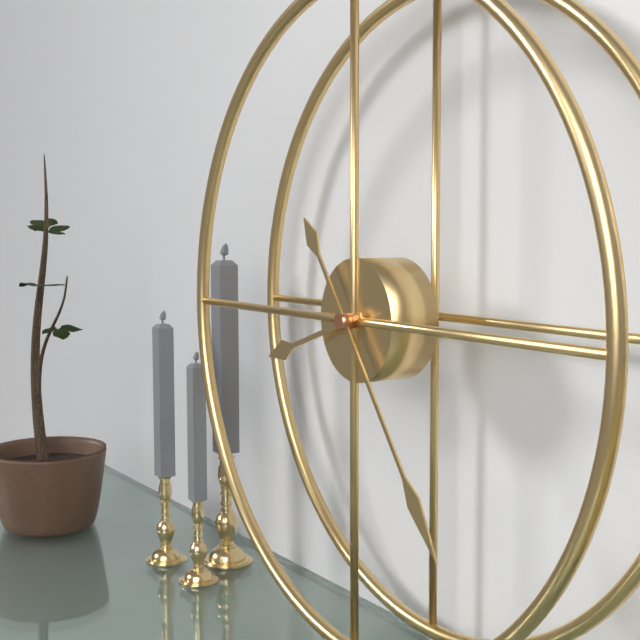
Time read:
8h24
